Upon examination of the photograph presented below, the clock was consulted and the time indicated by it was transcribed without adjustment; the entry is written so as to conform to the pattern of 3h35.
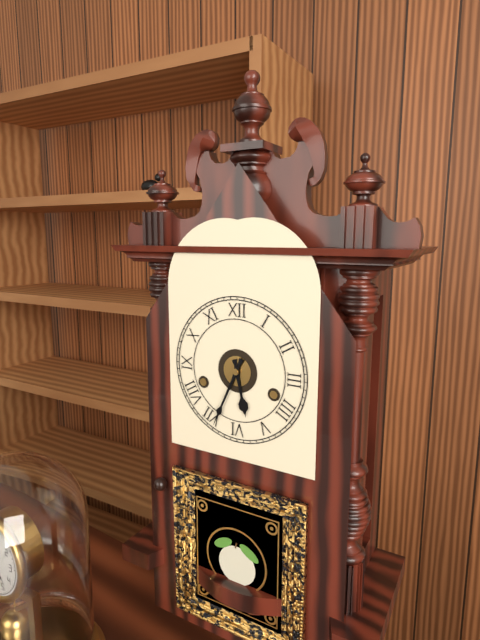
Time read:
5h34
